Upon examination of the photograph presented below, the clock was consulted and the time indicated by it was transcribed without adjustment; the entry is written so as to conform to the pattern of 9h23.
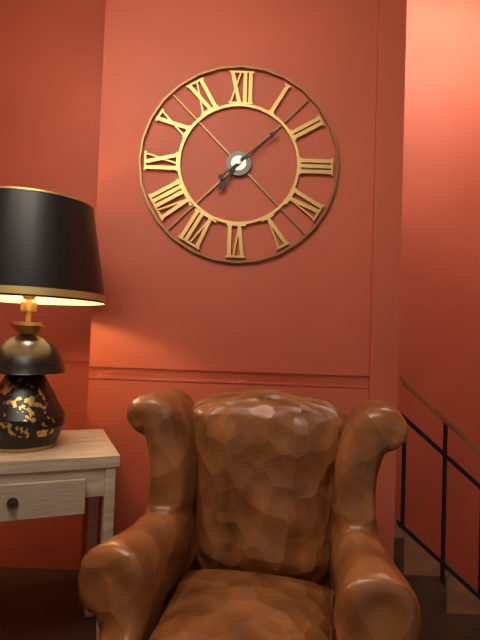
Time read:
7h08
